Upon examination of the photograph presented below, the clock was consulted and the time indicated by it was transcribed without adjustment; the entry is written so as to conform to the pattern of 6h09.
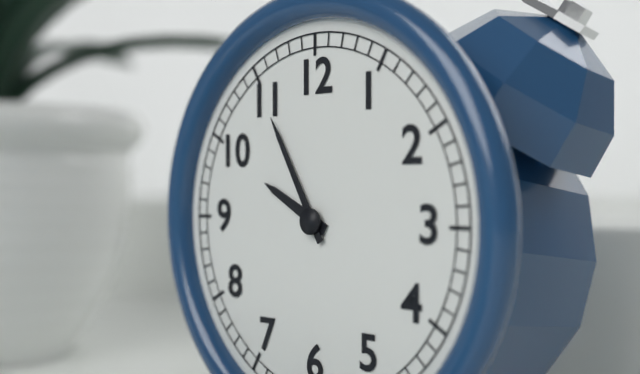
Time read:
9h55
